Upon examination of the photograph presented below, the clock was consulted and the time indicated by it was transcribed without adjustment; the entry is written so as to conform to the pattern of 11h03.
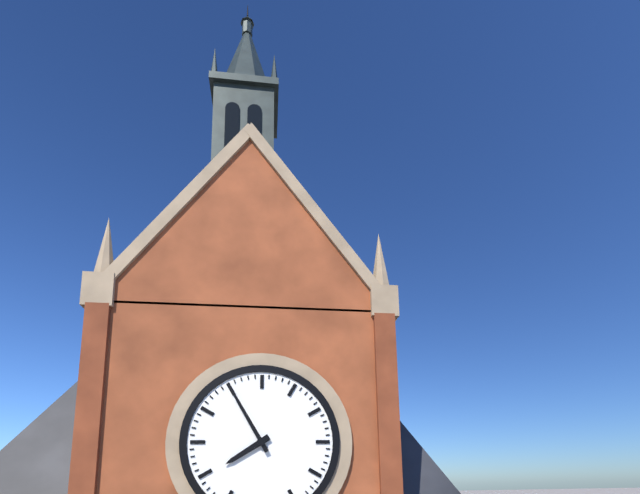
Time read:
7h55
